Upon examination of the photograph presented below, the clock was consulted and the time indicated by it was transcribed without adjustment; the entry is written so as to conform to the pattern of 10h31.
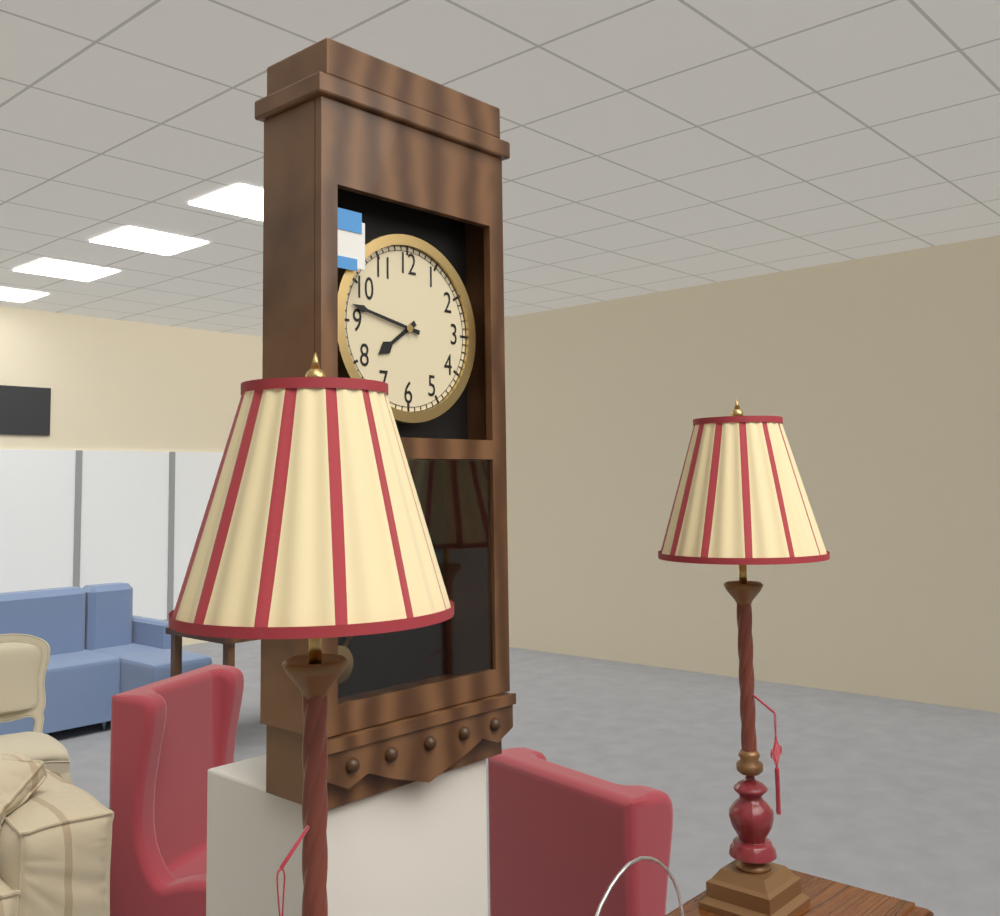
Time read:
7h47
